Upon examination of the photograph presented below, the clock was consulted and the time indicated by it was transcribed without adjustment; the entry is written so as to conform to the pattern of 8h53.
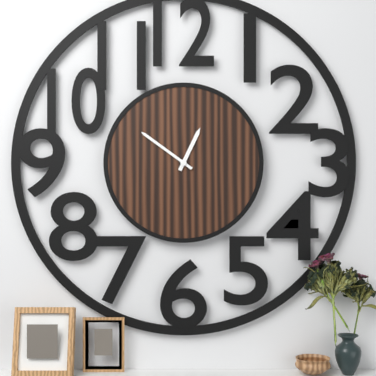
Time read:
12h51
